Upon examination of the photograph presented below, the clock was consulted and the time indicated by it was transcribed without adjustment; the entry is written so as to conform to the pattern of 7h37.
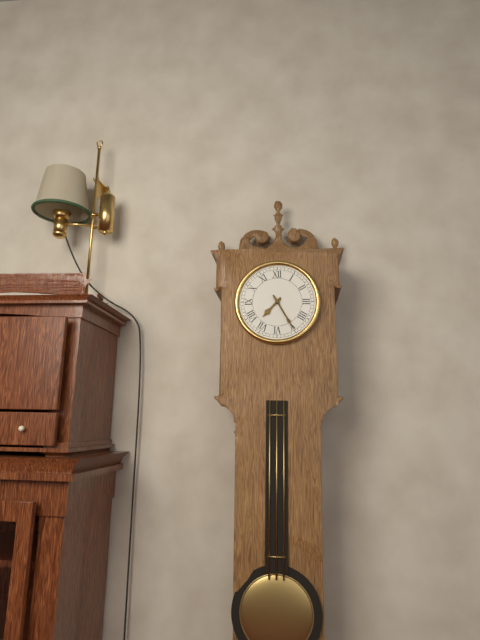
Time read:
7h25
